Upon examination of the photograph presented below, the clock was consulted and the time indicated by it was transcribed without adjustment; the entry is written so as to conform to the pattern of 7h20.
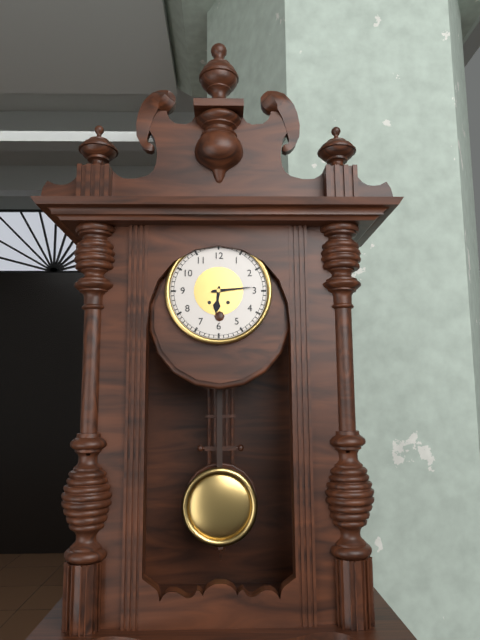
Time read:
6h14
